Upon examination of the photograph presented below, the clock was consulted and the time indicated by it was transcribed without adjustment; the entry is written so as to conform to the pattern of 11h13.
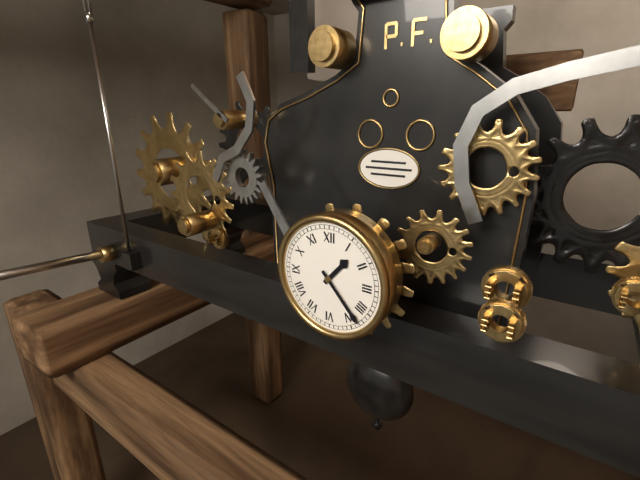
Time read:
1h23
